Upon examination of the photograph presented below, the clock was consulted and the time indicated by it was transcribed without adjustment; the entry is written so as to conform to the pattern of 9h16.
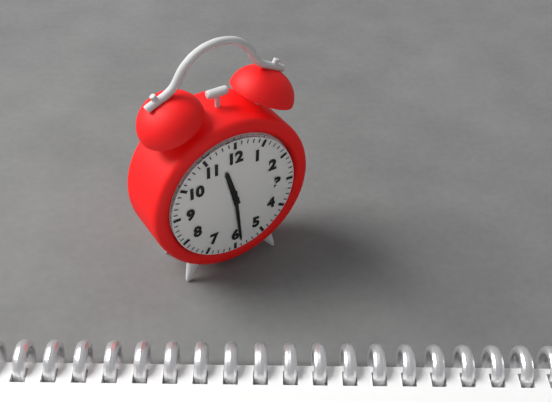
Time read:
11h29
